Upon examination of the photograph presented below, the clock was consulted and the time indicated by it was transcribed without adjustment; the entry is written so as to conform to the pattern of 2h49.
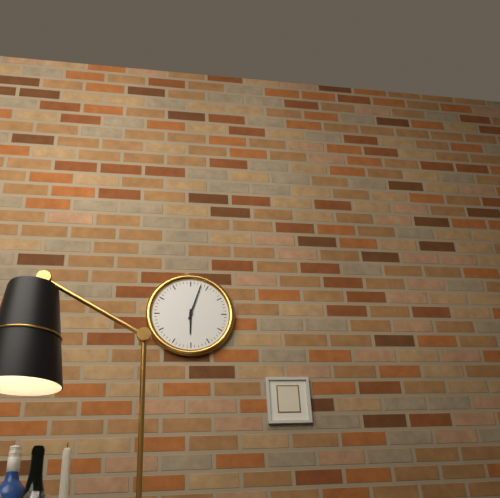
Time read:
6h03
